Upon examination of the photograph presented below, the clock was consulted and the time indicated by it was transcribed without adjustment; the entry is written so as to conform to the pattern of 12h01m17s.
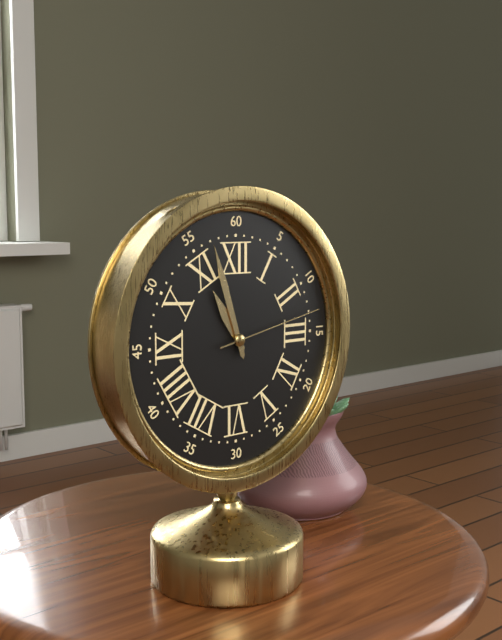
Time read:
10h57m13s
